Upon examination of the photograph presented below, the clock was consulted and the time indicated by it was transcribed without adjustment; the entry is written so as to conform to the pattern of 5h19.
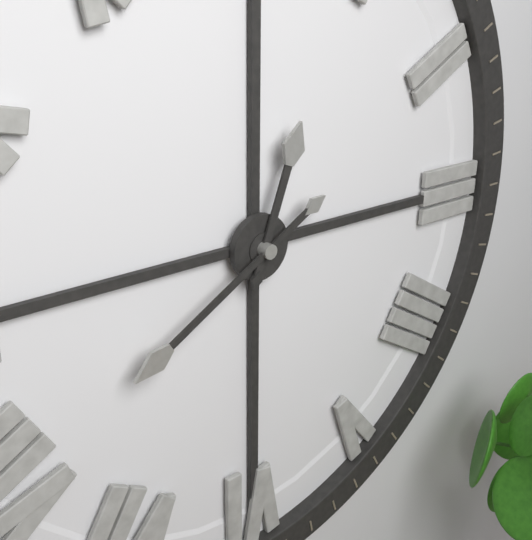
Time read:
12h40
